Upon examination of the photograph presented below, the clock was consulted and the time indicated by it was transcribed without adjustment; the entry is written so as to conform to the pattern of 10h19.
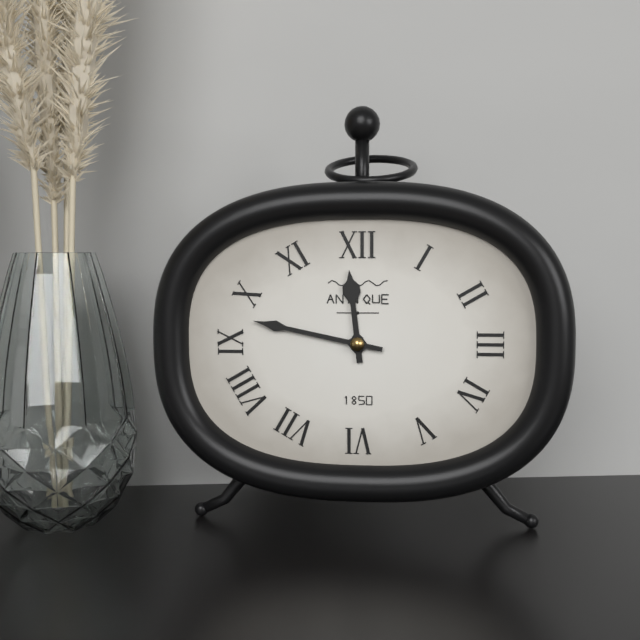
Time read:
11h47
